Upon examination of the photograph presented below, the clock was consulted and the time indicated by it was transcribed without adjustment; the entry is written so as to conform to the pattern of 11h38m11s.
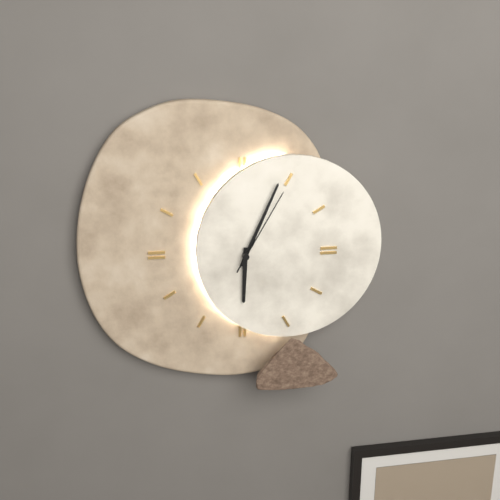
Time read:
6h04m05s
